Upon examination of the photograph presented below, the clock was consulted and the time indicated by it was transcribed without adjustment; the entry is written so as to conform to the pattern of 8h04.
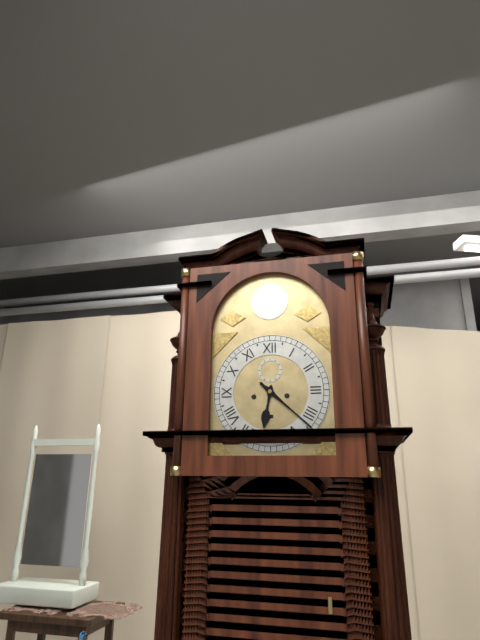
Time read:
6h22
